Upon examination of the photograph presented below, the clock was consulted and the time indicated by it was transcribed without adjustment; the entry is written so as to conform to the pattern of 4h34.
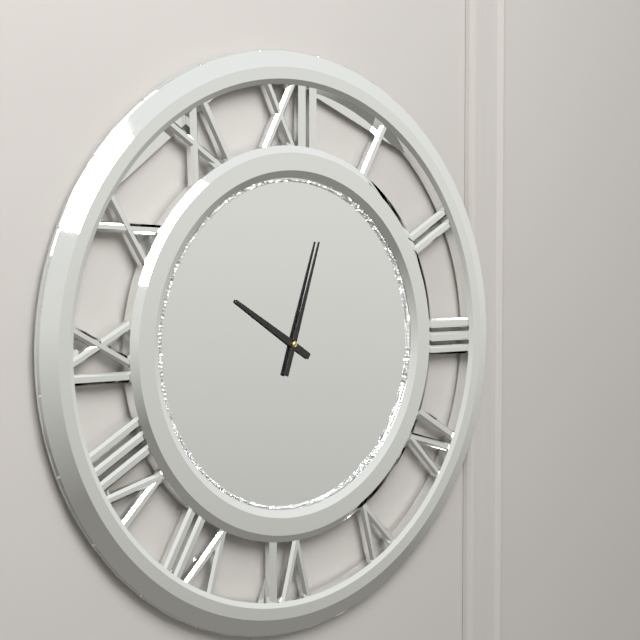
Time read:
10h03
